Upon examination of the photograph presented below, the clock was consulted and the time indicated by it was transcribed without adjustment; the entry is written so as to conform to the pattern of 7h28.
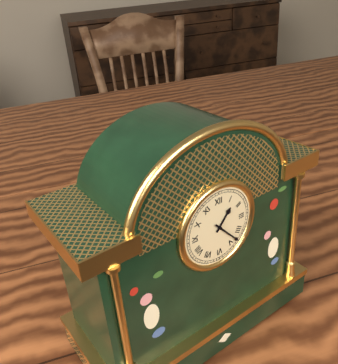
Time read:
1h23
